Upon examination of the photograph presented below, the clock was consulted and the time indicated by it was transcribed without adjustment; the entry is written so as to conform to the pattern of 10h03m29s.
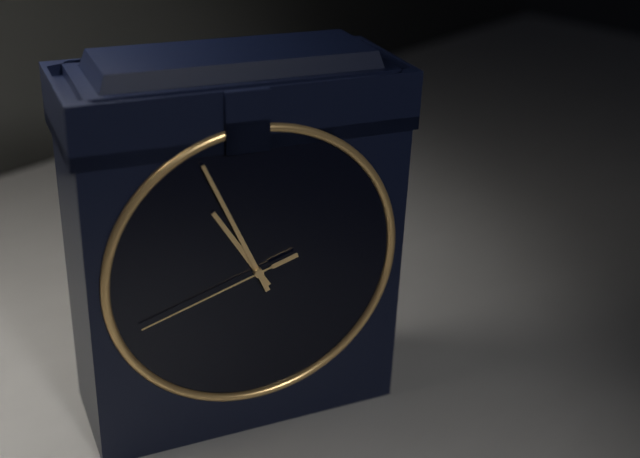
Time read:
10h56m42s
